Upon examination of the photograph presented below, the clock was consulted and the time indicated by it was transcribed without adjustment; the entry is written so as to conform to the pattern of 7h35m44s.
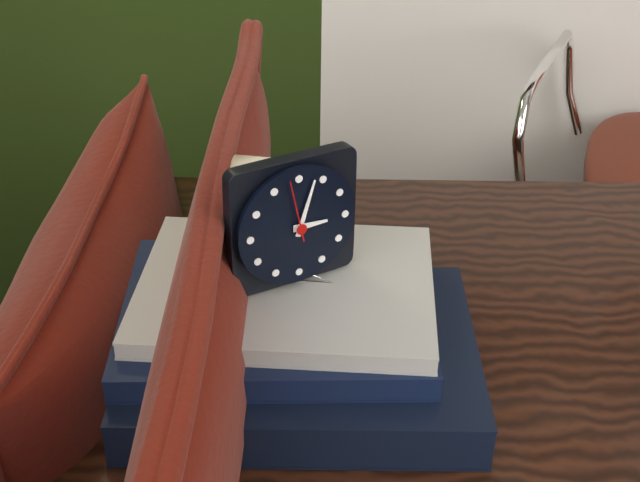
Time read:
3h03m58s
